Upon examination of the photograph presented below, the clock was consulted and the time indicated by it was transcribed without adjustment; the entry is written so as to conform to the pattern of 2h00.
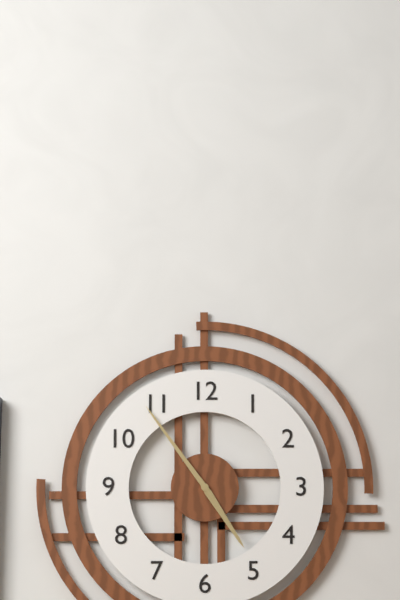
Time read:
4h54
